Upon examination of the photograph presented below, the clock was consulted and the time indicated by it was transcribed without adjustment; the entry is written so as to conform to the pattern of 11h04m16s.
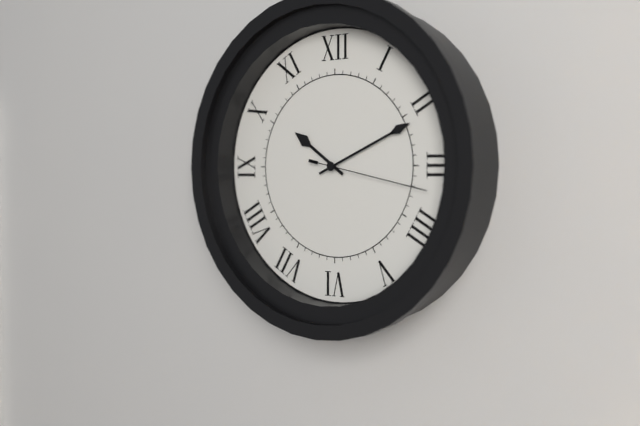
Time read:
10h11m17s
